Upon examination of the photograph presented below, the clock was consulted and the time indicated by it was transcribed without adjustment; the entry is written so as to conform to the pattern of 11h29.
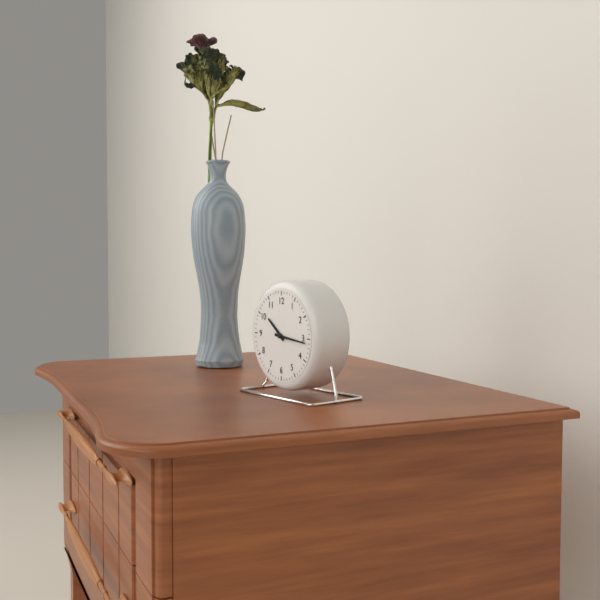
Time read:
10h16
